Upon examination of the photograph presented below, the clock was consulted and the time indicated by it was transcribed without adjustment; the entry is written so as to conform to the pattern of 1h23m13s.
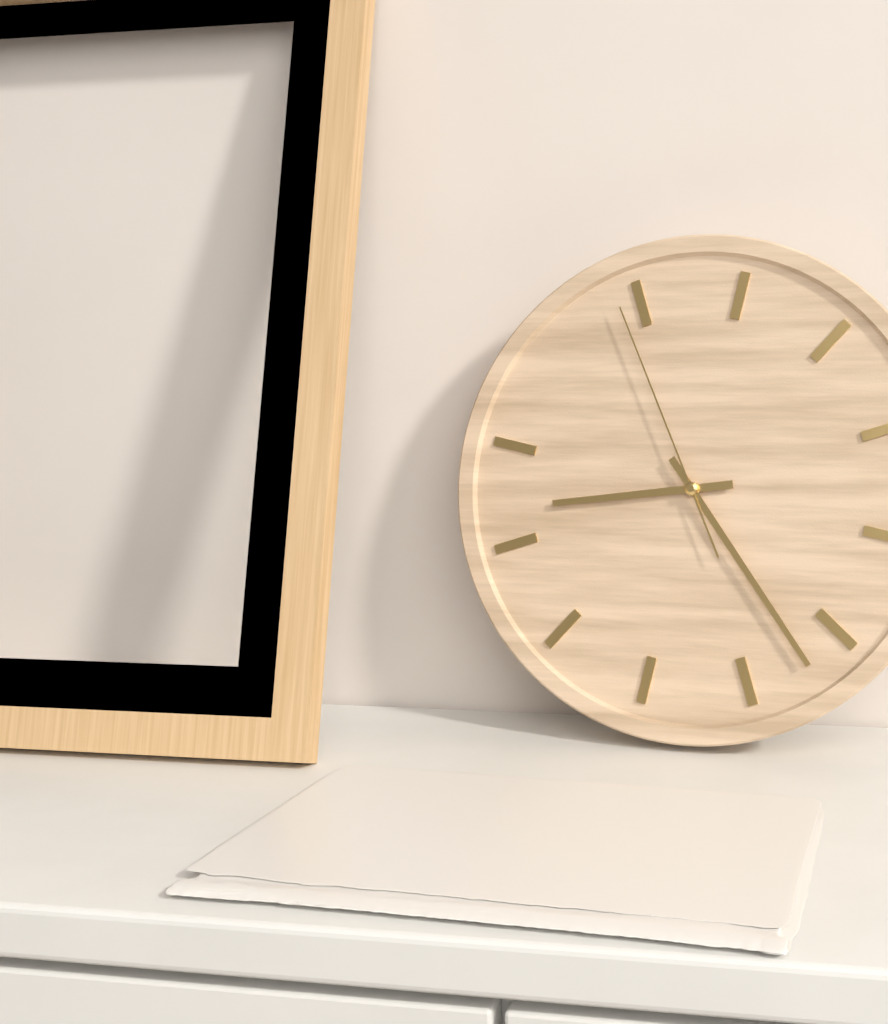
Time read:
8h22m54s
